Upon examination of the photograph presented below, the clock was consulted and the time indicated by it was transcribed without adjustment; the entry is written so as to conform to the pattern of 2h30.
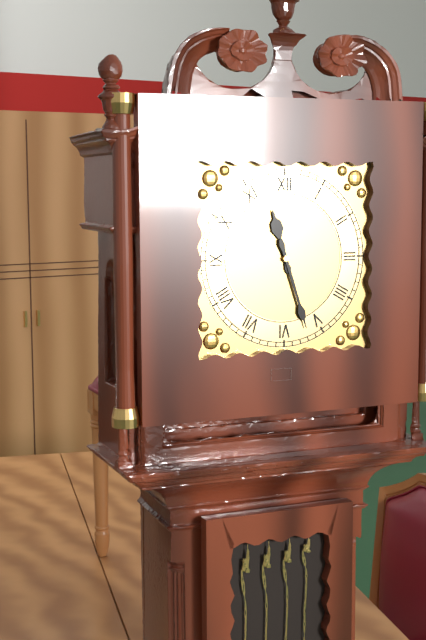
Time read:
11h27
